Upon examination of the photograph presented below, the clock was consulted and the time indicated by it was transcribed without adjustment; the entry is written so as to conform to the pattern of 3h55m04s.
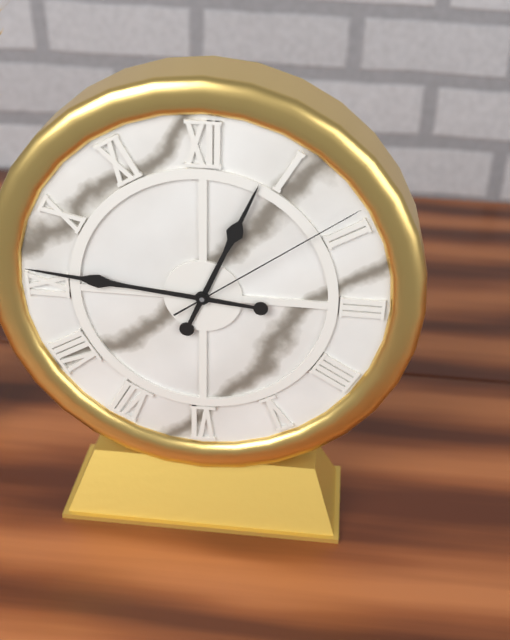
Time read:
12h46m09s
